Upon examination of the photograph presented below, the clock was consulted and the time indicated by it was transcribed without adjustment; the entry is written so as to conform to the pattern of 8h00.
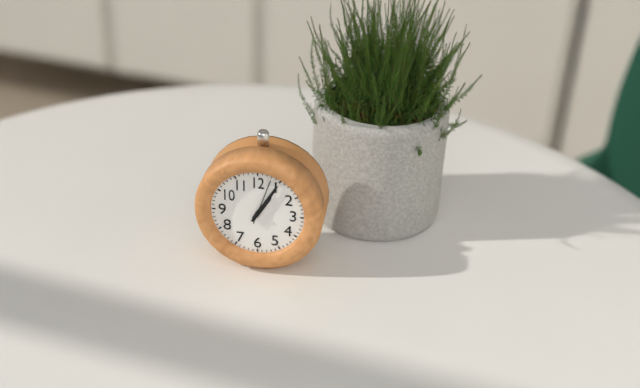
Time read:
1h05
